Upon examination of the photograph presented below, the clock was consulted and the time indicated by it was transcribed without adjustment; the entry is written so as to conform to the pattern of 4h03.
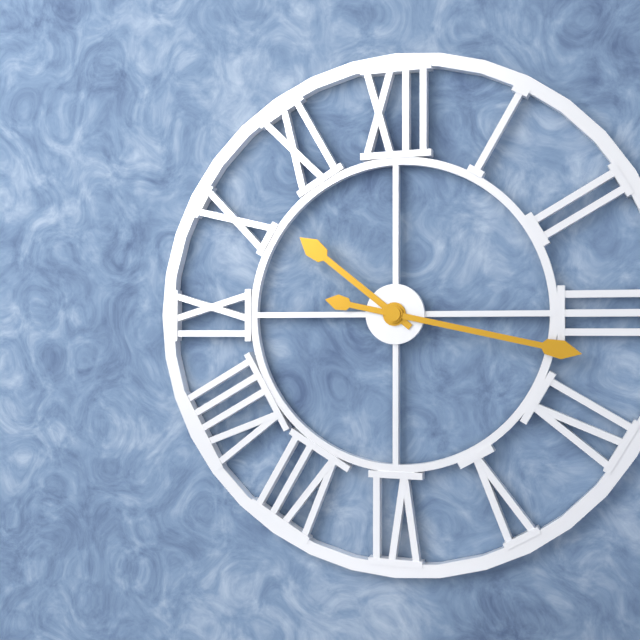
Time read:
10h17
